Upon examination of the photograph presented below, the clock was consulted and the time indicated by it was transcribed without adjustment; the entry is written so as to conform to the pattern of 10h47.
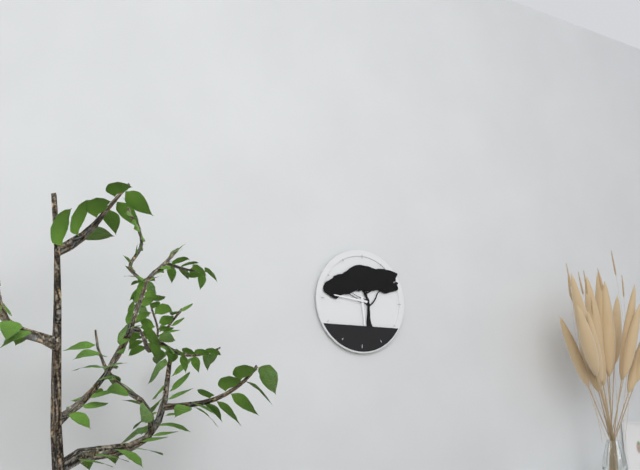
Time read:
5h46
